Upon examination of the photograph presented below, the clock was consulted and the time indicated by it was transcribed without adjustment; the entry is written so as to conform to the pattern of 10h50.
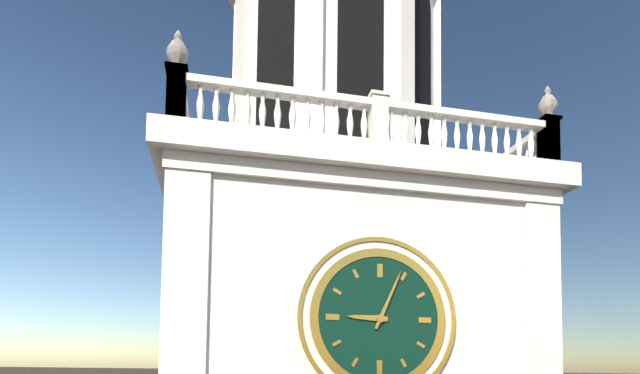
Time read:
9h04
